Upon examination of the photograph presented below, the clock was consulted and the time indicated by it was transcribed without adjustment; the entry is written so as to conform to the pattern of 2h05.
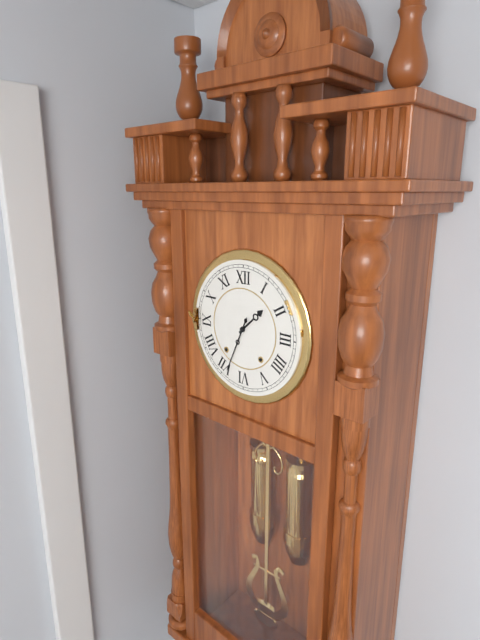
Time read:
1h34
